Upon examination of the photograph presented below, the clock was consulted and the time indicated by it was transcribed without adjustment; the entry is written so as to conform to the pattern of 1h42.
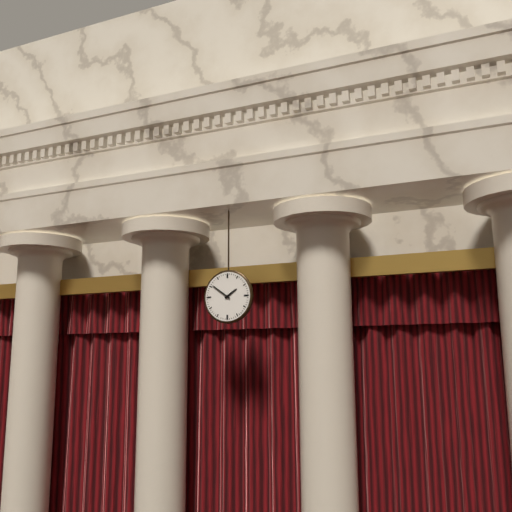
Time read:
1h51
